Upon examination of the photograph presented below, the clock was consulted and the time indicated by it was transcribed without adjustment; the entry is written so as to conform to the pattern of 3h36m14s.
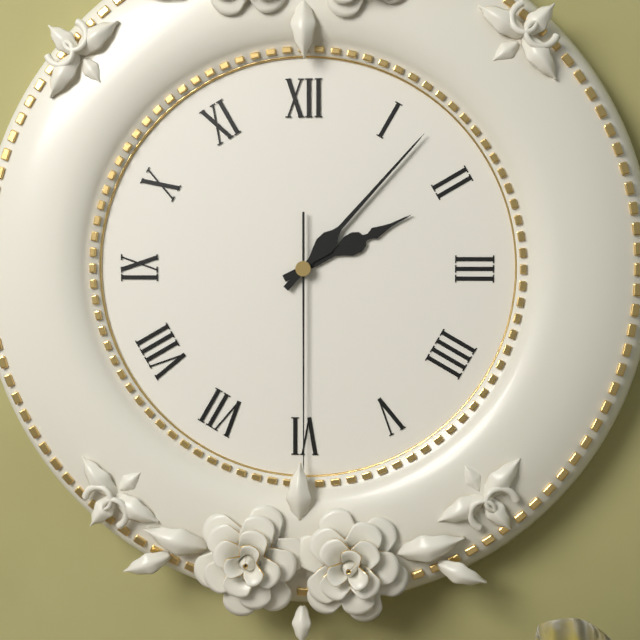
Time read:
2h07m30s
